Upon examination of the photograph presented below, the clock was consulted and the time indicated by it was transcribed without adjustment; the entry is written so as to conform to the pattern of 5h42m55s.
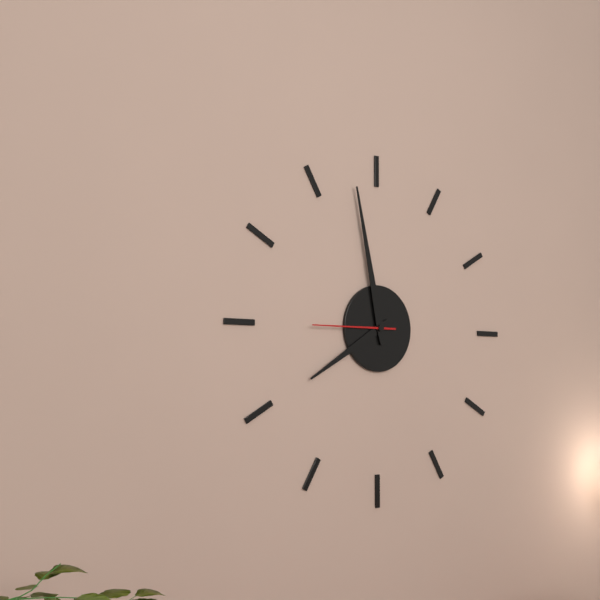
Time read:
7h58m45s
